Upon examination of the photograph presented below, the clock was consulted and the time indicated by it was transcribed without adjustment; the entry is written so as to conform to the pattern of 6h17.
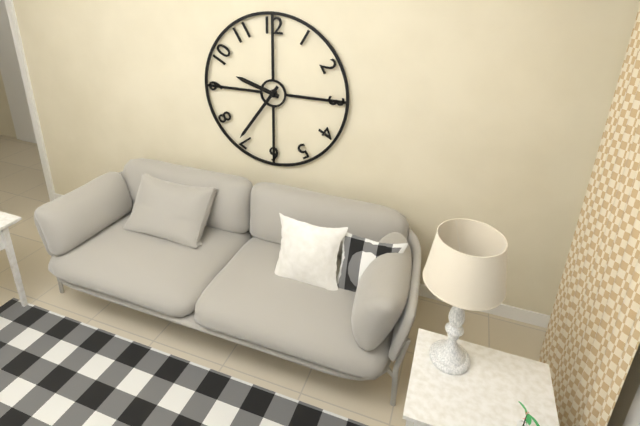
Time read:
9h36
